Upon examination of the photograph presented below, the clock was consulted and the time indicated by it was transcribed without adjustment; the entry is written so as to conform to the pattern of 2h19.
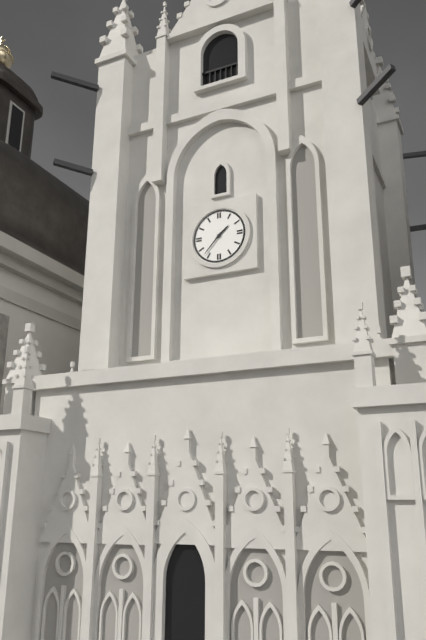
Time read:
1h37
